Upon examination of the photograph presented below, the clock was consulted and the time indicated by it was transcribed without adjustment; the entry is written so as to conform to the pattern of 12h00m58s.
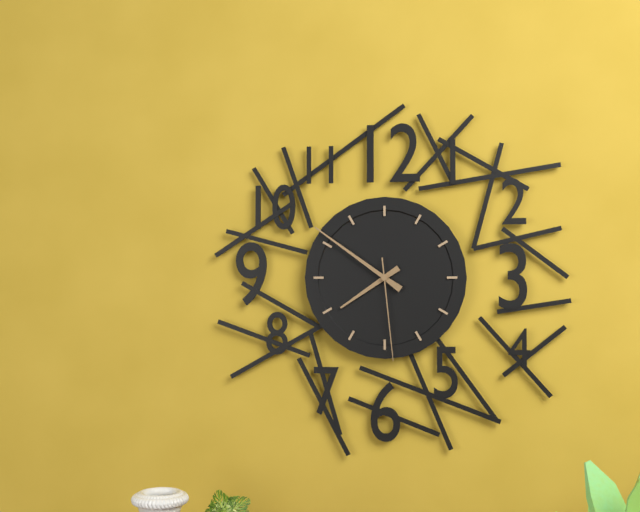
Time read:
7h51m29s
